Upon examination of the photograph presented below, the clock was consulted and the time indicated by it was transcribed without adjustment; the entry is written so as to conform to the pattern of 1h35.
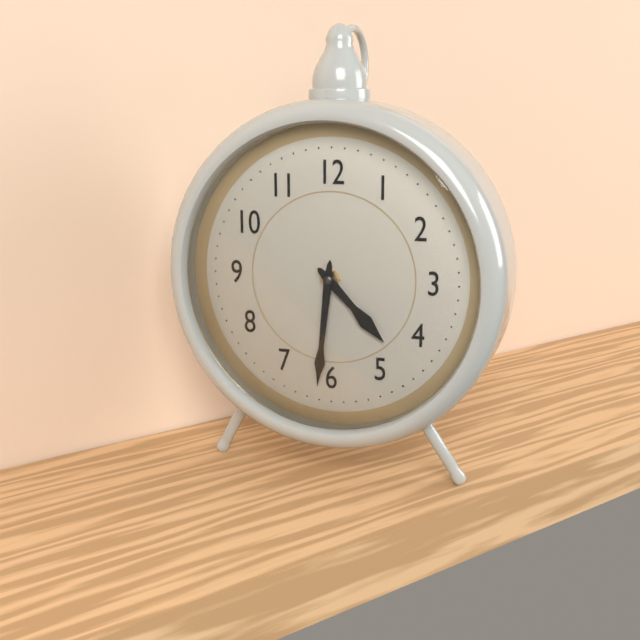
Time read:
4h31
